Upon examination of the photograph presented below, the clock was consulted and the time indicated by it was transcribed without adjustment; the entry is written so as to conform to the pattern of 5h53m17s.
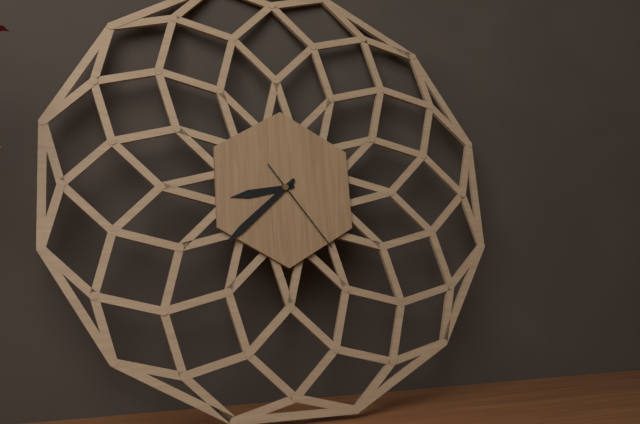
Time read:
8h38m24s
